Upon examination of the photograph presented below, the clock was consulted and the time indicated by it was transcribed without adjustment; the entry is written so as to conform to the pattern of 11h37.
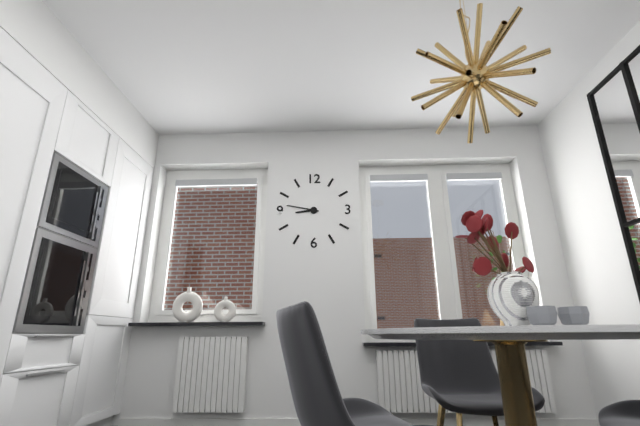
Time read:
8h47
